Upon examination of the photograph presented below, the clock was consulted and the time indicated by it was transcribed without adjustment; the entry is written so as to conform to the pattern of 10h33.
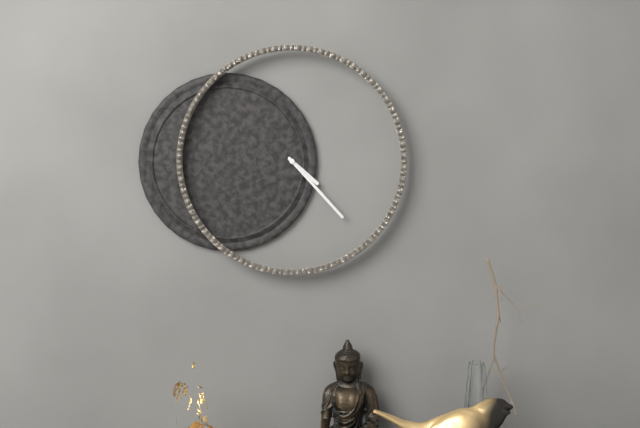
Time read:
4h23
